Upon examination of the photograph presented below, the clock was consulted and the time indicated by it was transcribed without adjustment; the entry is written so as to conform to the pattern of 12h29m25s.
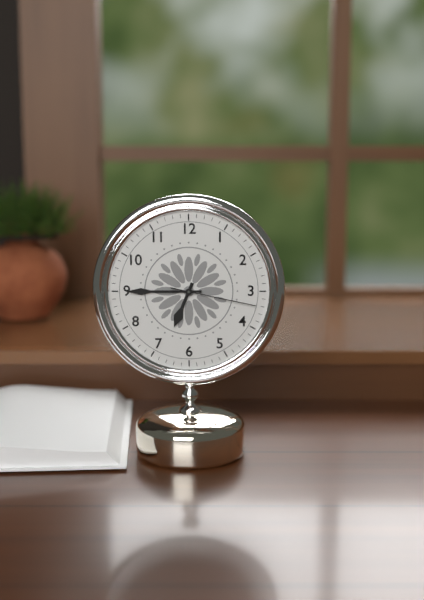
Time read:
6h45m17s
